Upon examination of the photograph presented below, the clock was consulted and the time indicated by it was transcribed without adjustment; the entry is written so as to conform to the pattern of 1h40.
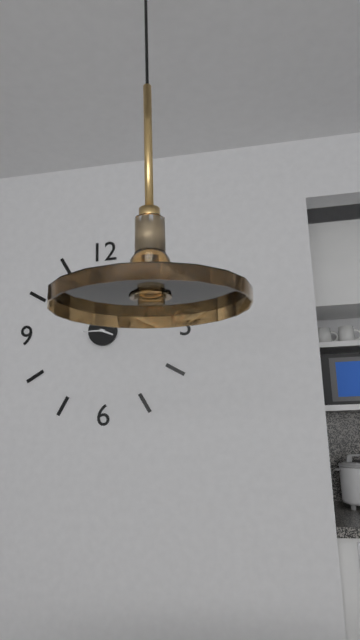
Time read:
3h45
